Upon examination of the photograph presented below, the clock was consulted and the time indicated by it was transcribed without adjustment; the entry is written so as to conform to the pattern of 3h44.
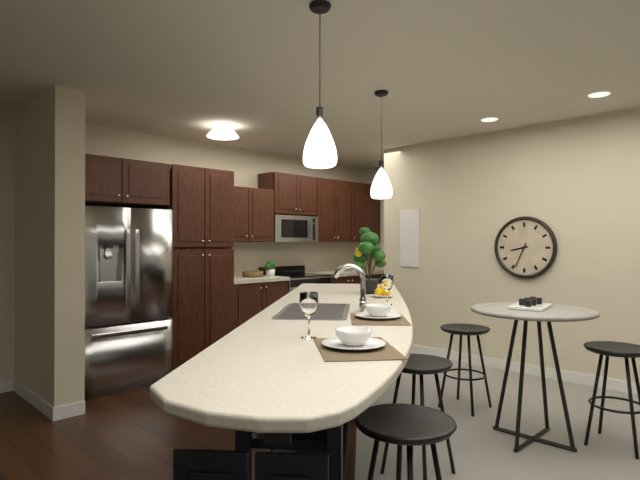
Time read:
8h34
